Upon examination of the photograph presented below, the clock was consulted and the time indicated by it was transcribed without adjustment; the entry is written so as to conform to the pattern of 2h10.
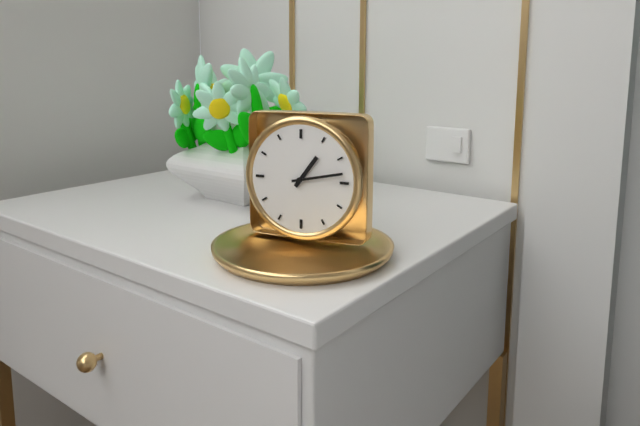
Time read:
1h13
